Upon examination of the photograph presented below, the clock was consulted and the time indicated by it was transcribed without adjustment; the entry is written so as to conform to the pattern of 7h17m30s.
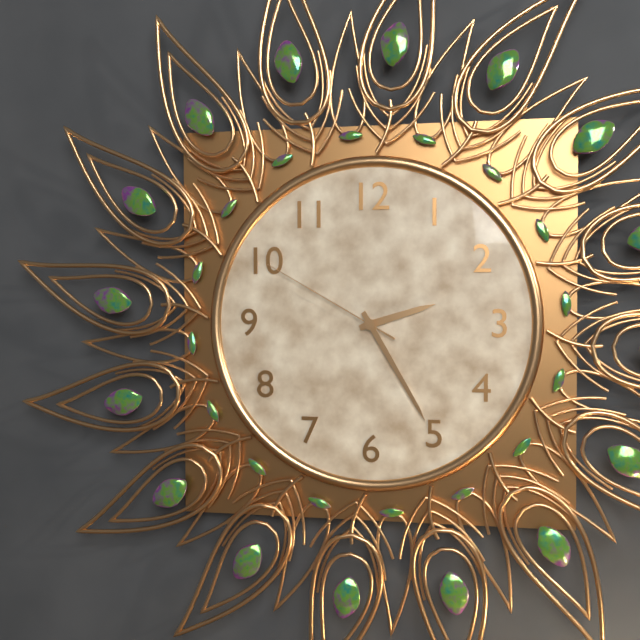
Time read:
2h25m50s
